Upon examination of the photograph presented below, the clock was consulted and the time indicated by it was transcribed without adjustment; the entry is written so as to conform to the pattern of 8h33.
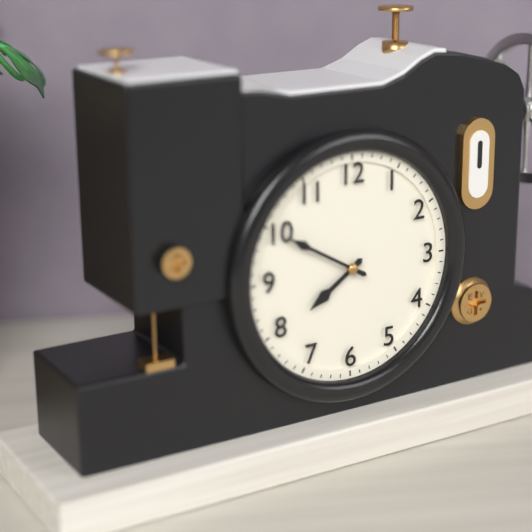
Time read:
7h50
